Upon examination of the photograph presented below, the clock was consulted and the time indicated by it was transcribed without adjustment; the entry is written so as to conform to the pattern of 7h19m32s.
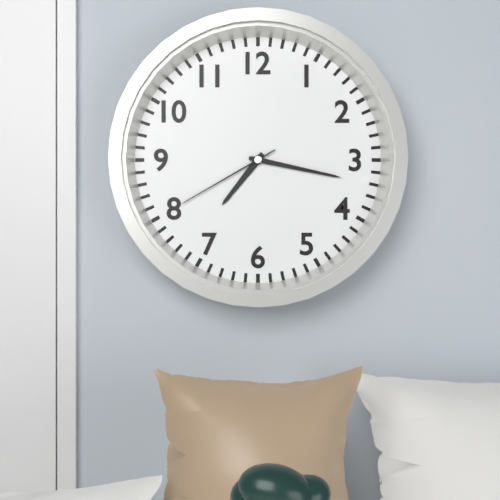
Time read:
7h17m40s
